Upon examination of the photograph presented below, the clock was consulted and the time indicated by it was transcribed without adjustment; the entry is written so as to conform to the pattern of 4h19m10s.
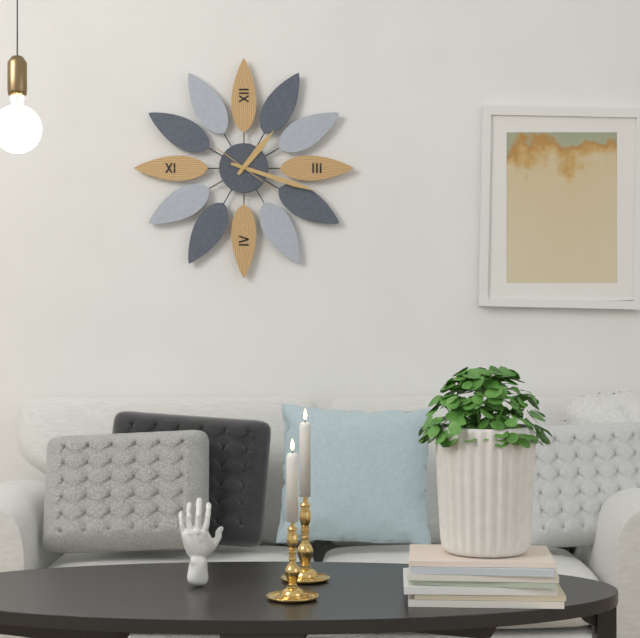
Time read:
1h18m21s
